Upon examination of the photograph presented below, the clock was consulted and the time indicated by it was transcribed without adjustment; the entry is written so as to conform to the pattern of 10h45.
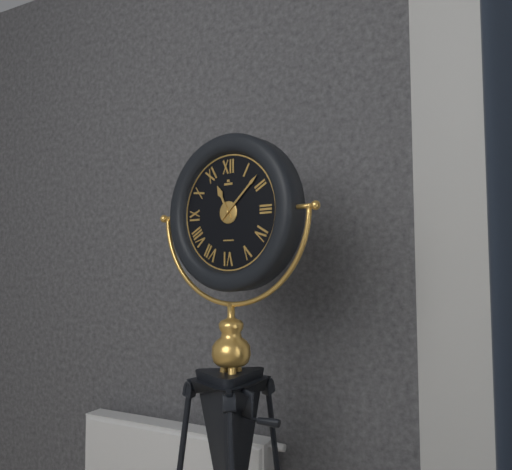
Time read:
11h08
